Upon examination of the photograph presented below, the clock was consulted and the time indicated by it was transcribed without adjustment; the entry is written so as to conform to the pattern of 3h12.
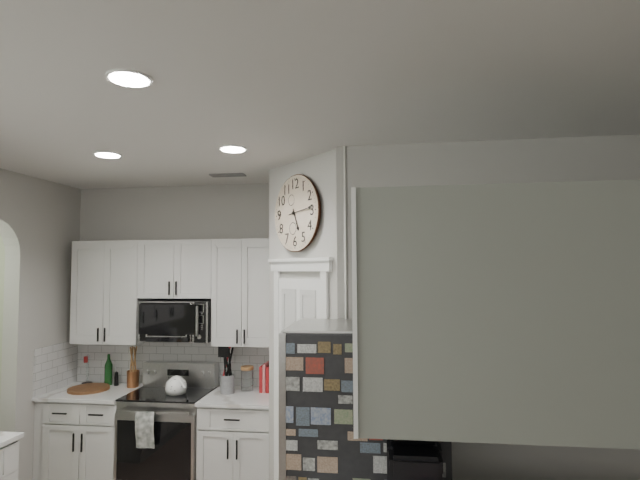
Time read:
5h14
